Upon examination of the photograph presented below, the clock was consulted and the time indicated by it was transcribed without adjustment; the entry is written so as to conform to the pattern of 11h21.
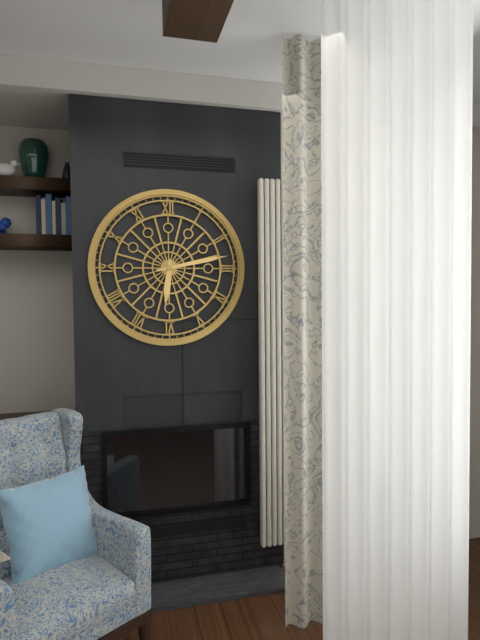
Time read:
6h13
